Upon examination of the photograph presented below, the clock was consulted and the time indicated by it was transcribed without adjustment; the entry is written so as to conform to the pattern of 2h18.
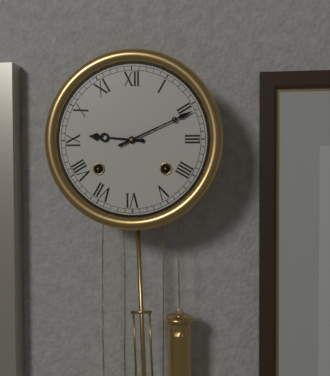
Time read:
9h11
